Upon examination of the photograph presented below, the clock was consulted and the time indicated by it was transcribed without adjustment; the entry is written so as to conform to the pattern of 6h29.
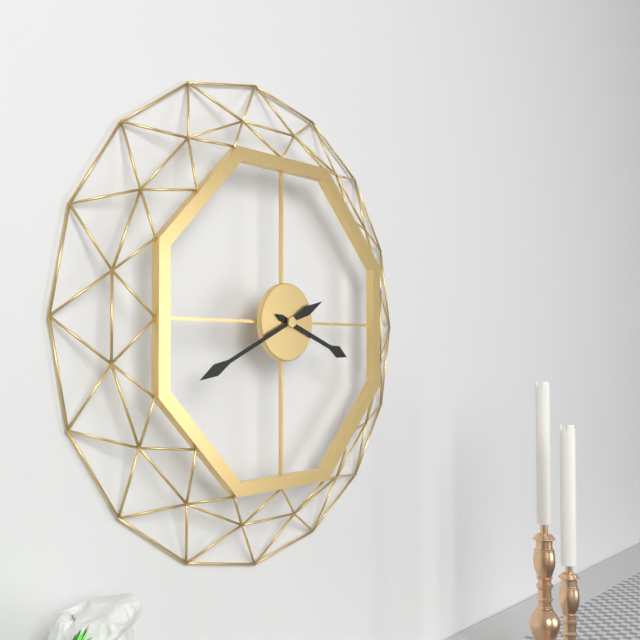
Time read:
3h41
